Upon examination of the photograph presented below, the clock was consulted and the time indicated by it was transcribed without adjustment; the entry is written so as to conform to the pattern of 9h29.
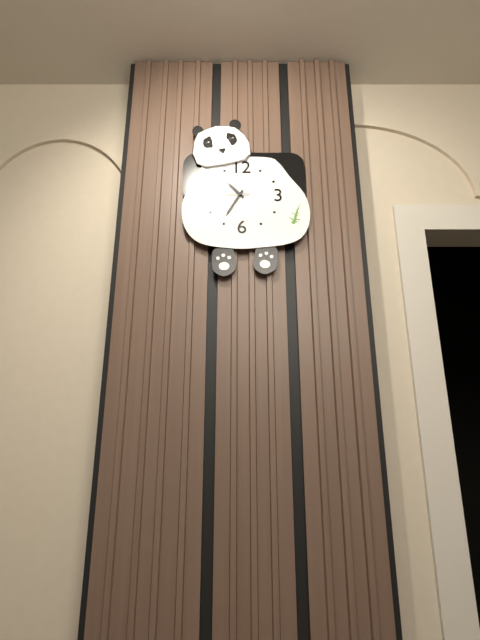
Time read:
10h35
